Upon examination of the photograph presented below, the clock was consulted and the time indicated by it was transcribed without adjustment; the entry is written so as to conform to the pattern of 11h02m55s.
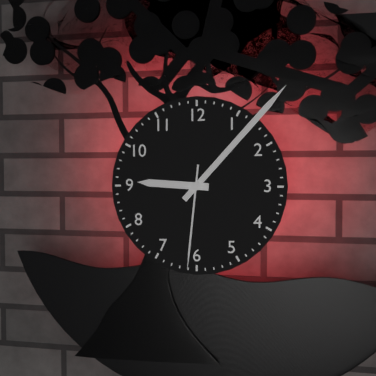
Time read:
9h07m31s
